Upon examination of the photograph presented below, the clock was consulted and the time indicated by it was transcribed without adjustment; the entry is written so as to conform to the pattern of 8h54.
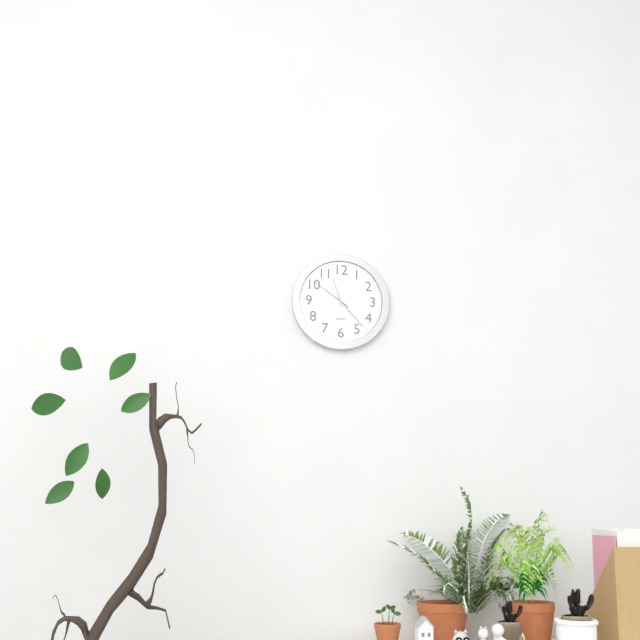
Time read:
11h23
